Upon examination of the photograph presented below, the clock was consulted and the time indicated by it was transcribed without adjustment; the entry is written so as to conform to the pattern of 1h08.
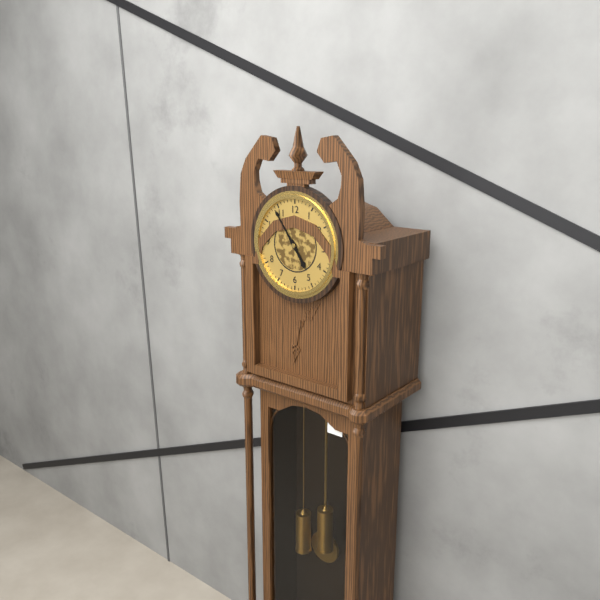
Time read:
4h54
